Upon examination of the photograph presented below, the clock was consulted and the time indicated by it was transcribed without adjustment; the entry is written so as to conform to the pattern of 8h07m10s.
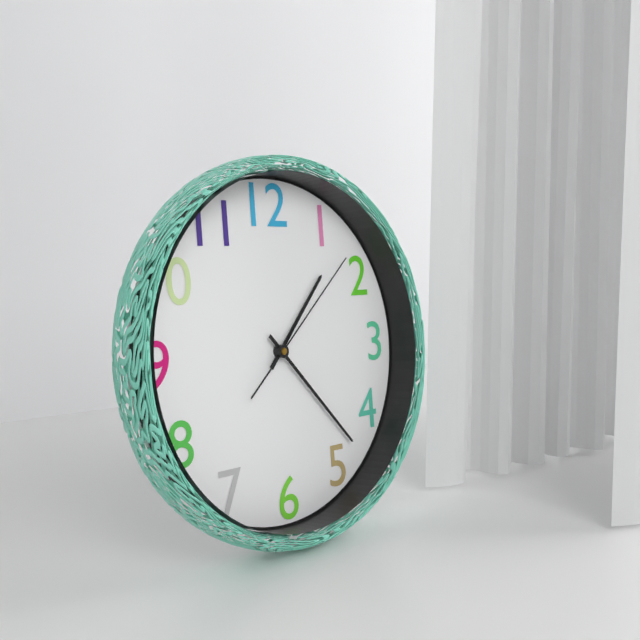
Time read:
1h23m08s
